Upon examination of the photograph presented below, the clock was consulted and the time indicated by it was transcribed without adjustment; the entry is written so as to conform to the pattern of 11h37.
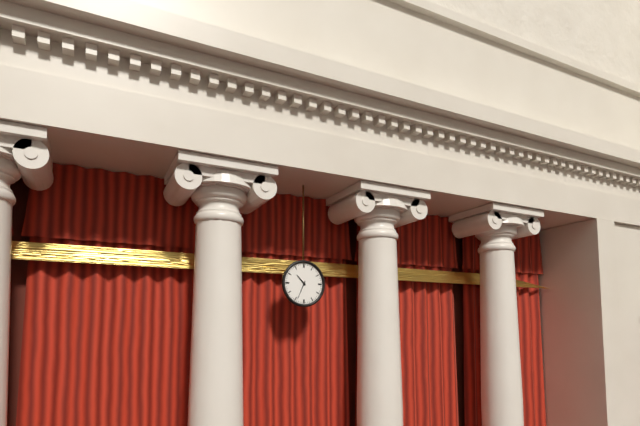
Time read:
10h34
